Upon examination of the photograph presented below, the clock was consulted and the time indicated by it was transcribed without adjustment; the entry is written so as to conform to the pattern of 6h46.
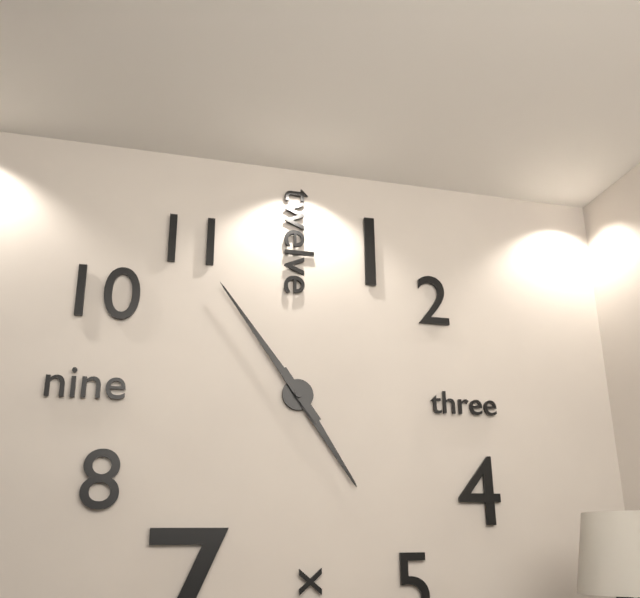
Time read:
4h54
